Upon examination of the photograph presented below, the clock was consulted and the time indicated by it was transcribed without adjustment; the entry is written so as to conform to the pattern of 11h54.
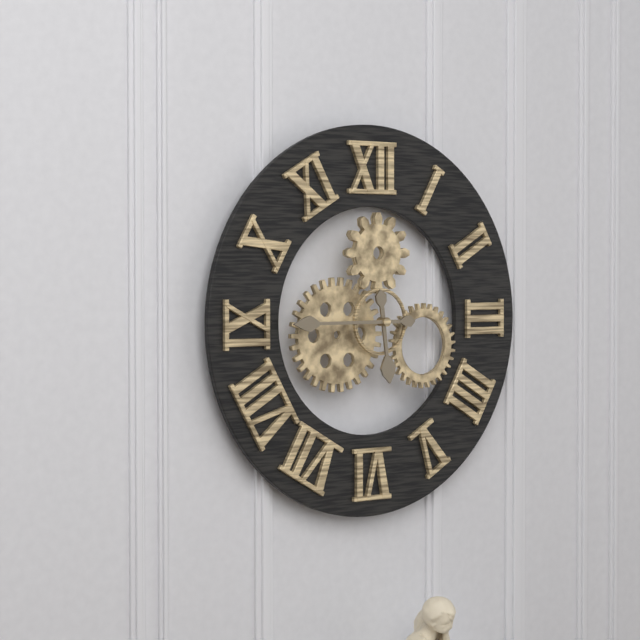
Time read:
5h45
